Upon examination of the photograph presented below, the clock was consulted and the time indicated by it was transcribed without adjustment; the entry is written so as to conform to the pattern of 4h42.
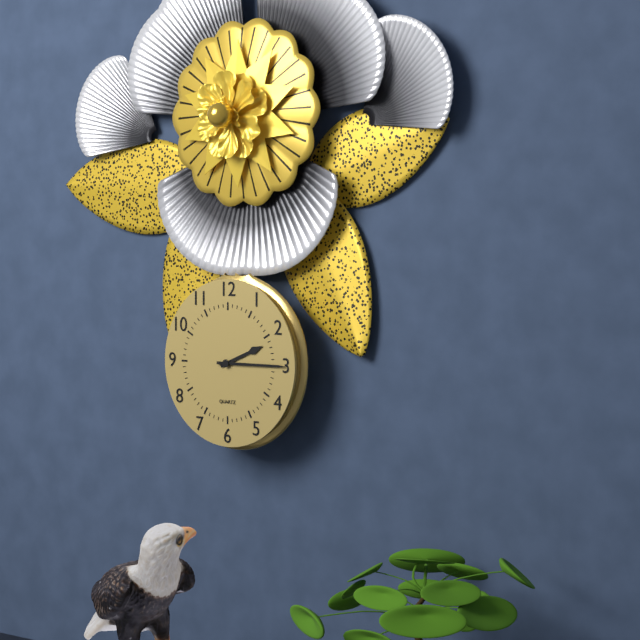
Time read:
2h15
